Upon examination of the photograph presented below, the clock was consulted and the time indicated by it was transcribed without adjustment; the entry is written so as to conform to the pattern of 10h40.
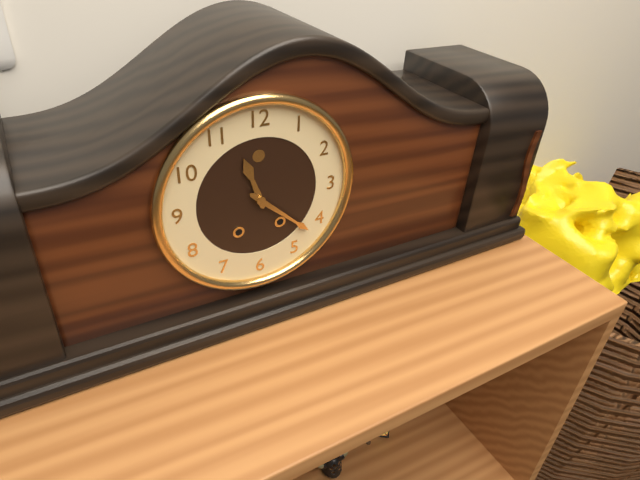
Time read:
11h22
